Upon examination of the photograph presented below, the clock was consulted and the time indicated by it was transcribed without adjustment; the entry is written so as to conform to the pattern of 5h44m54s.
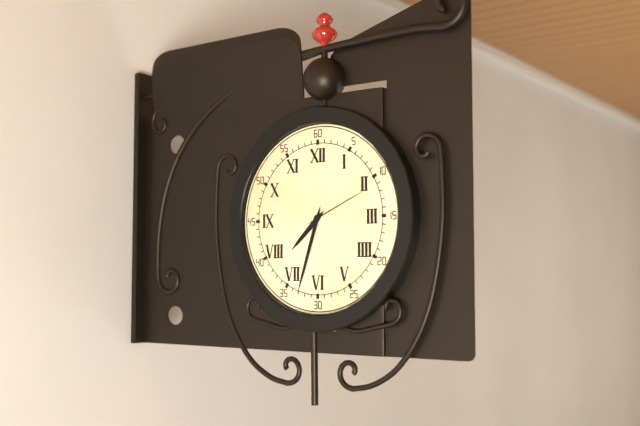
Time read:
7h33m11s
